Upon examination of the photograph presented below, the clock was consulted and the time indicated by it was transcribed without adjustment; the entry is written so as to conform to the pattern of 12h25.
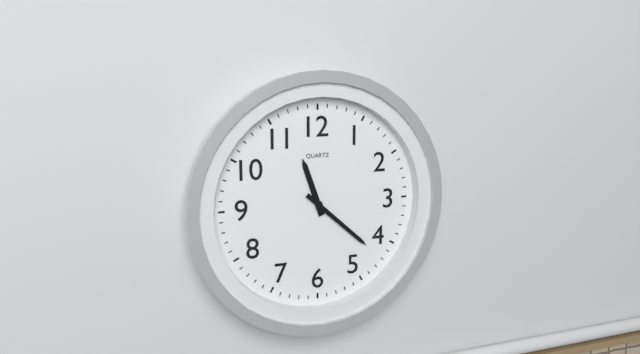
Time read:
11h22
